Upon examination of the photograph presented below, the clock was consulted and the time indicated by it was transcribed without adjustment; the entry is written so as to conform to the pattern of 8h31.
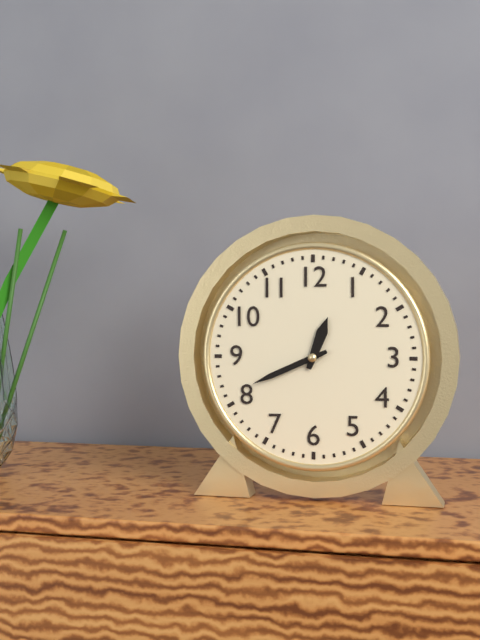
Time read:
12h41
